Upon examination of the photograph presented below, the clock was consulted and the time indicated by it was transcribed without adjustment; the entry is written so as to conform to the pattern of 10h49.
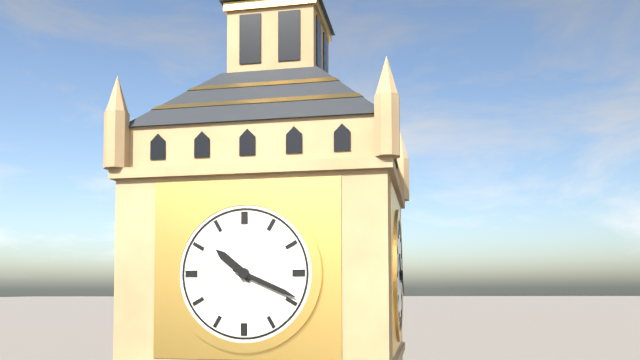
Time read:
10h19
